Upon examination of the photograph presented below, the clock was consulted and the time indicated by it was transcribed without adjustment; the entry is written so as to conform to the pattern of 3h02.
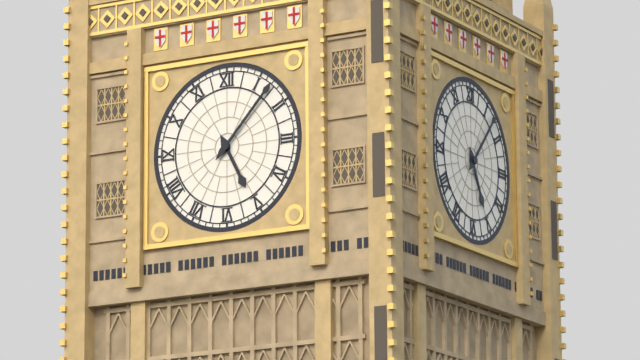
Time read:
5h07
